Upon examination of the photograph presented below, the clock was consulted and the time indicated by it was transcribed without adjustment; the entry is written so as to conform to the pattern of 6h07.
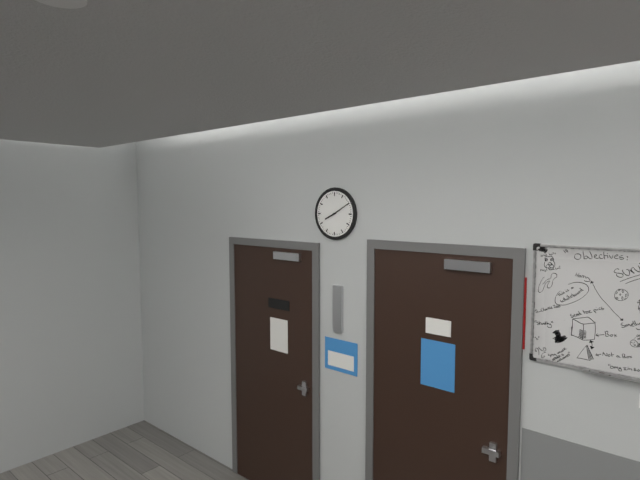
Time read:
8h10
